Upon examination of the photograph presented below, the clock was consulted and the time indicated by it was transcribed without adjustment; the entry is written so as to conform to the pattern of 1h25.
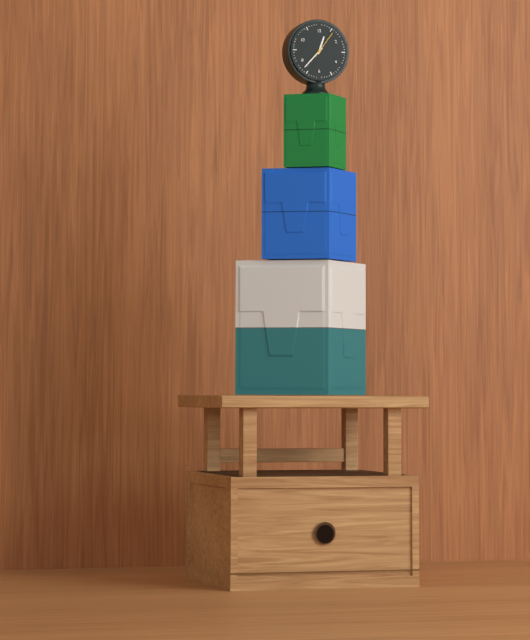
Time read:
12h37
